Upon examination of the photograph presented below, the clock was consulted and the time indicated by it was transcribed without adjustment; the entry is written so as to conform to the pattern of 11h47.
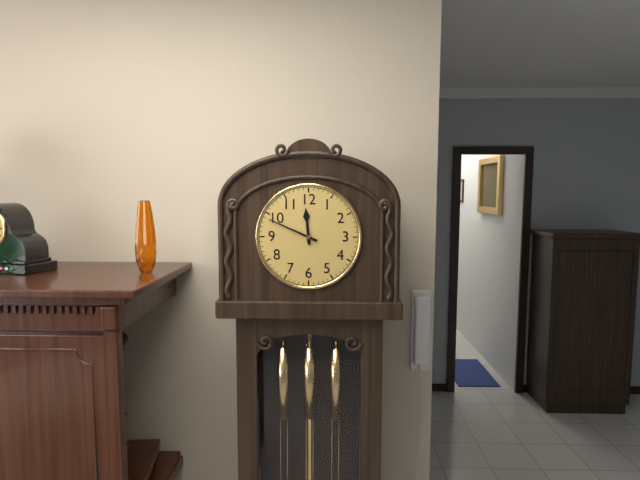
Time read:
11h49
